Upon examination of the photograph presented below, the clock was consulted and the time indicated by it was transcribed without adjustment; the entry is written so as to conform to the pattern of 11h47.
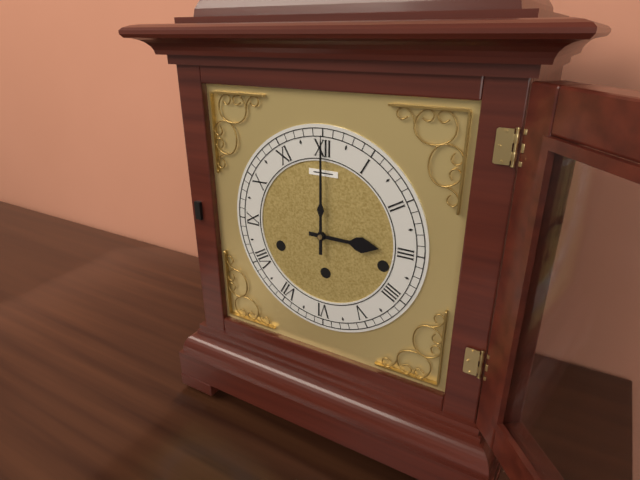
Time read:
3h00
